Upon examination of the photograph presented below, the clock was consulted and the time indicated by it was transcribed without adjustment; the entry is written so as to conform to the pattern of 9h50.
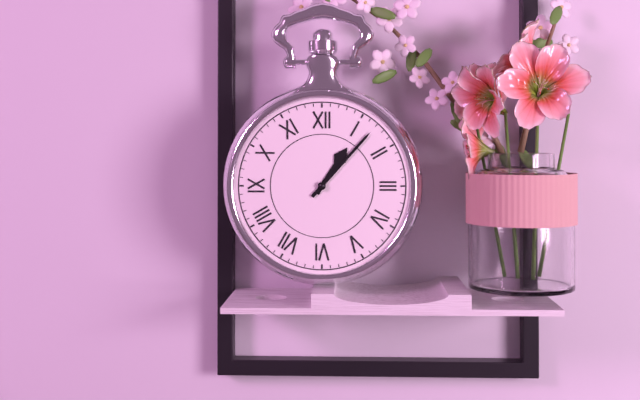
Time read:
1h07
